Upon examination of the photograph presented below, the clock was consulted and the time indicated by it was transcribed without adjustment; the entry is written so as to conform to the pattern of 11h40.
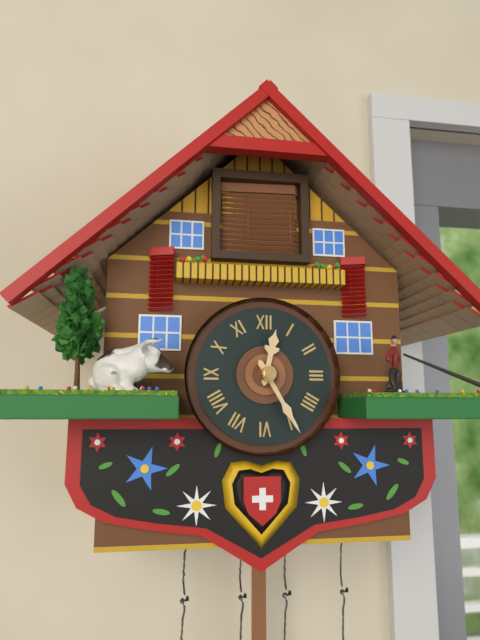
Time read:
12h25
